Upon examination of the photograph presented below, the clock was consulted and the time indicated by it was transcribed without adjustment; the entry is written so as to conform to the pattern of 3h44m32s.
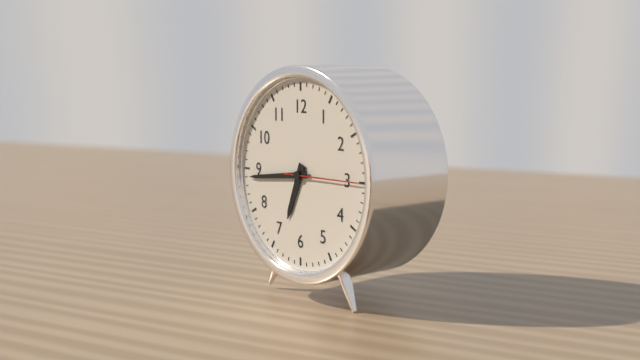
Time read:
6h44m15s
